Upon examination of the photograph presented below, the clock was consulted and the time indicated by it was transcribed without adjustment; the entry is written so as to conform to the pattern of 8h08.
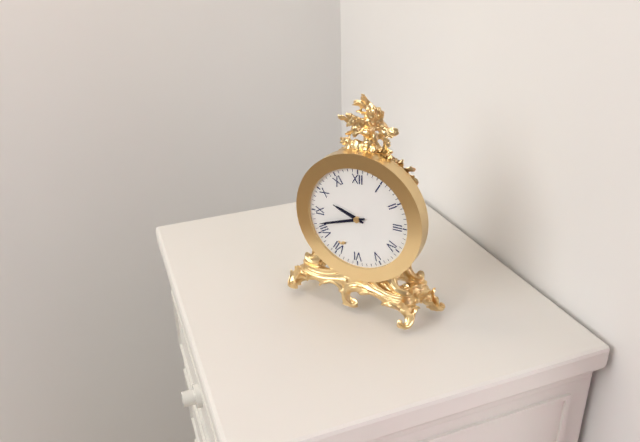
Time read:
9h42
